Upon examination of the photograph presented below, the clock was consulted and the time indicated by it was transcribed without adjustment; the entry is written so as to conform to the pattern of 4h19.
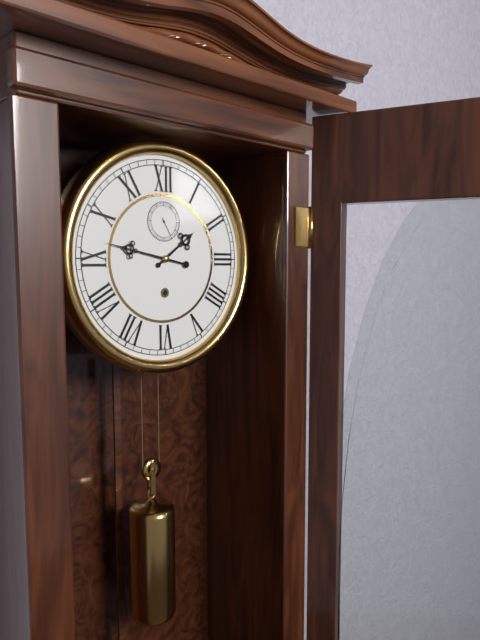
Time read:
1h47
